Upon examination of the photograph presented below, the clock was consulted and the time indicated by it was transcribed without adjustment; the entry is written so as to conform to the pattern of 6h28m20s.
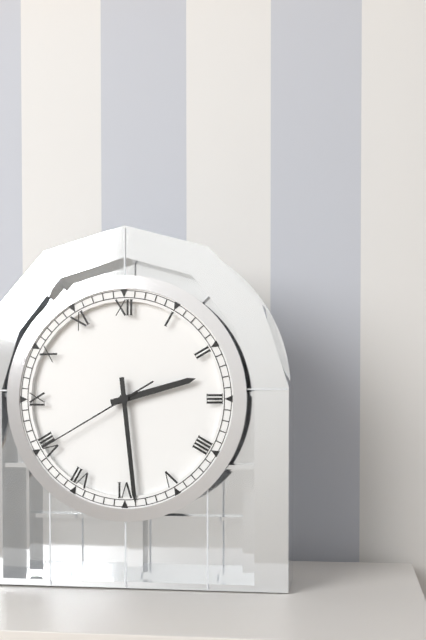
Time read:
2h29m40s
